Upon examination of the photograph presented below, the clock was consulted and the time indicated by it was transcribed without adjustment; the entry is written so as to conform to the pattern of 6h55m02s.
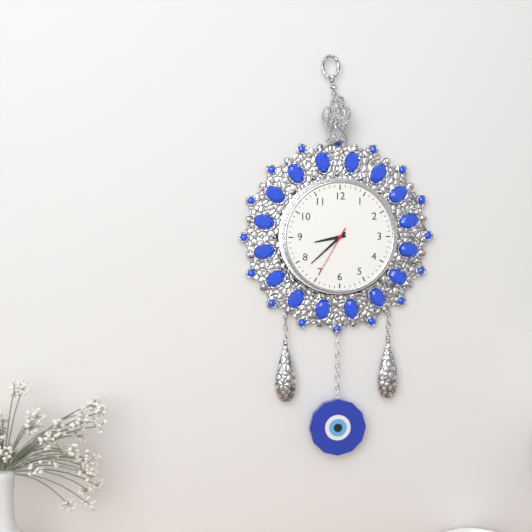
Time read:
8h38m35s
